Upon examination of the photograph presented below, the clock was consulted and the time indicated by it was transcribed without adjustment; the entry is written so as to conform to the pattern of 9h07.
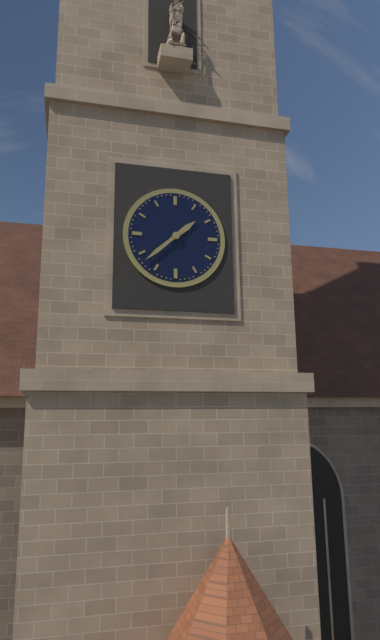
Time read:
1h38
